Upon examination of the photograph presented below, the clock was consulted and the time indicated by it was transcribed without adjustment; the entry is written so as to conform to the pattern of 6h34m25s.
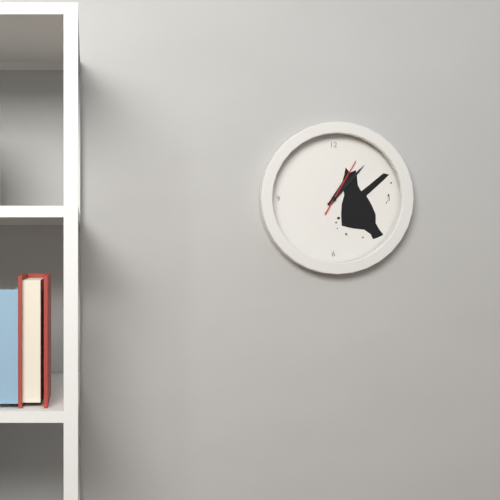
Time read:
1h07m05s
